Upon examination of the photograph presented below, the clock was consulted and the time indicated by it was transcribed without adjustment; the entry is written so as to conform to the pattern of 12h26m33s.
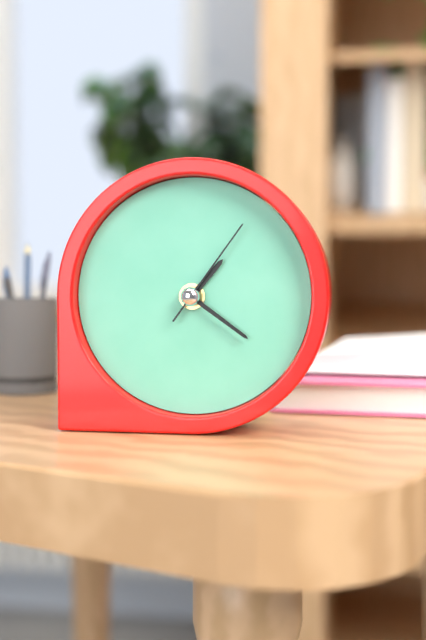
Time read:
1h21m06s
